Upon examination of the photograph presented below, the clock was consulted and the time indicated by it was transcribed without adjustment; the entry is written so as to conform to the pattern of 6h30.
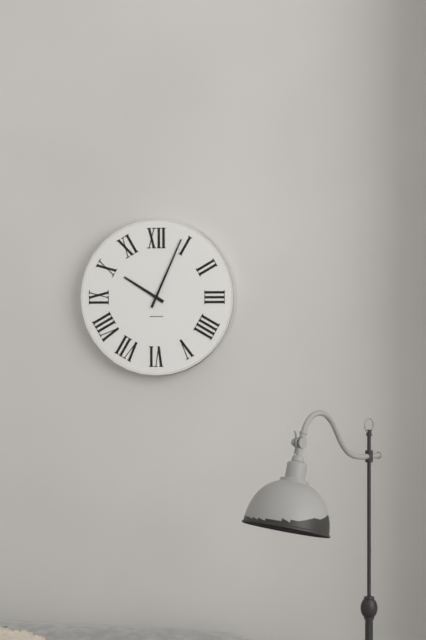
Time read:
10h04
